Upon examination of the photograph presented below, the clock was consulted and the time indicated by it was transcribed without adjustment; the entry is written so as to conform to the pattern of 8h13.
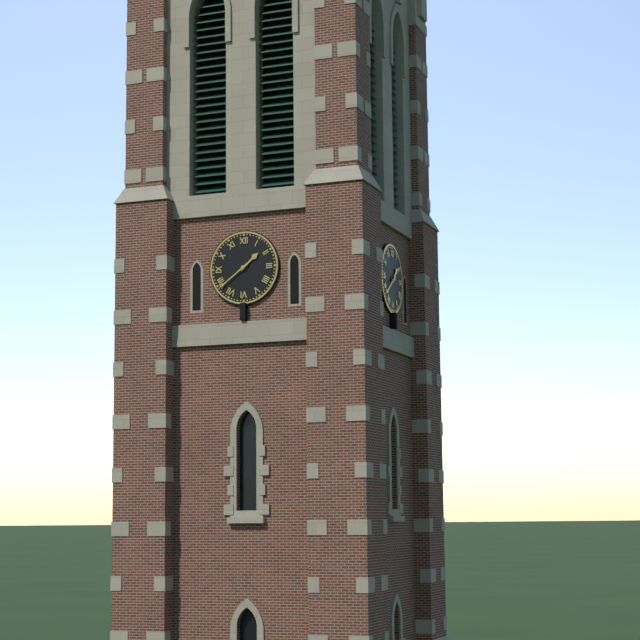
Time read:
1h39
